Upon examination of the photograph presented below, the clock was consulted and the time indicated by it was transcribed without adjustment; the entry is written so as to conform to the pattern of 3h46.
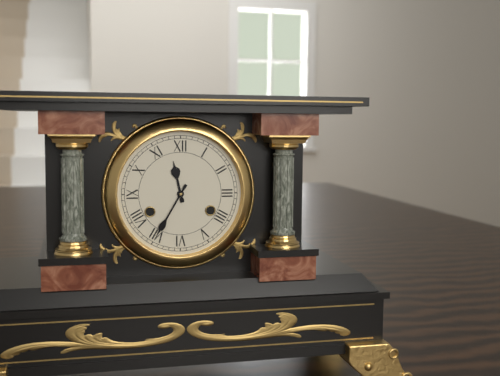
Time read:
11h35
